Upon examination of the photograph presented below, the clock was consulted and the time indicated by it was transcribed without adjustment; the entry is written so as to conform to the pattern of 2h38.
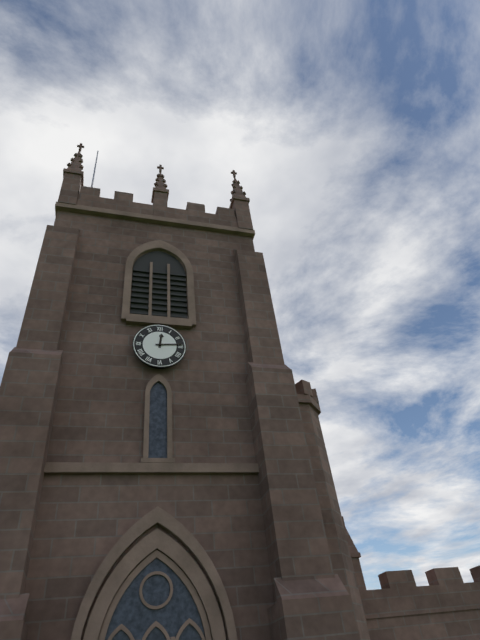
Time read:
12h14
